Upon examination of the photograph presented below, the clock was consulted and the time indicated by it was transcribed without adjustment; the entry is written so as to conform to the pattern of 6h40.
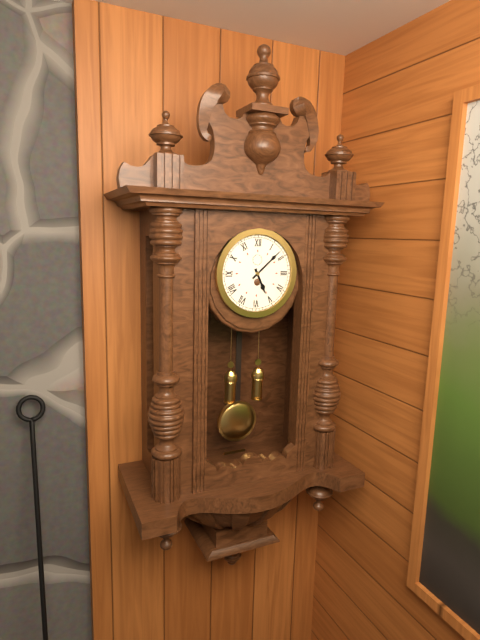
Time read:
5h08
